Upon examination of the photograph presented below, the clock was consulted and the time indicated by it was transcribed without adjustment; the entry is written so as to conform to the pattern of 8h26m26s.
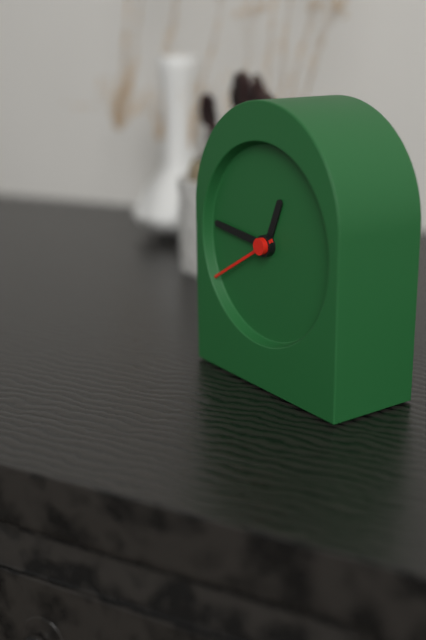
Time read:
12h46m40s
